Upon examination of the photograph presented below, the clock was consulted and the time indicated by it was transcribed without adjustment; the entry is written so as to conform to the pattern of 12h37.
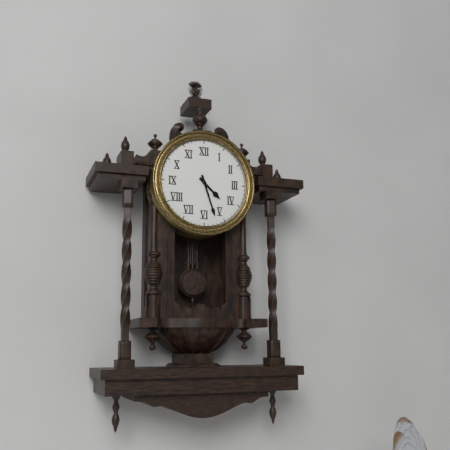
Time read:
4h27
